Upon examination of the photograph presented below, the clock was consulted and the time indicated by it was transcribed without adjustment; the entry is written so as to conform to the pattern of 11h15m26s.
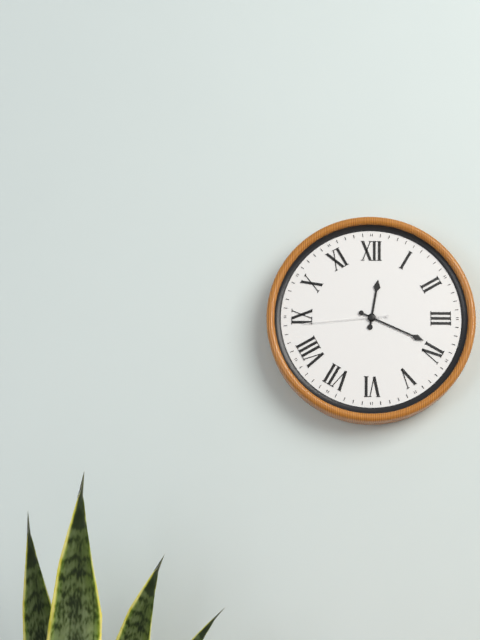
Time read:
12h19m44s
